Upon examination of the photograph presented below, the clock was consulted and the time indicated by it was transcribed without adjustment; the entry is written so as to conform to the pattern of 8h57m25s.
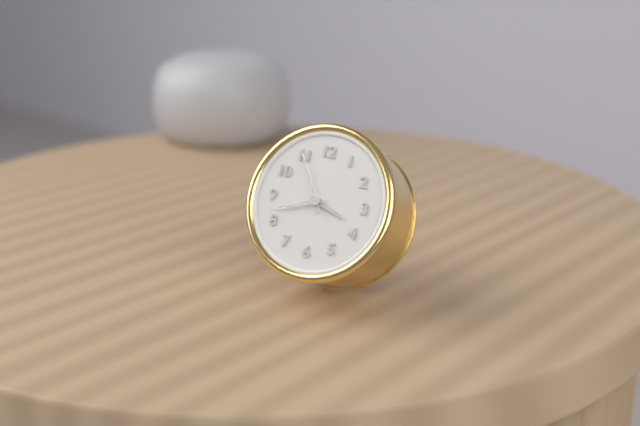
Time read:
3h42m55s
